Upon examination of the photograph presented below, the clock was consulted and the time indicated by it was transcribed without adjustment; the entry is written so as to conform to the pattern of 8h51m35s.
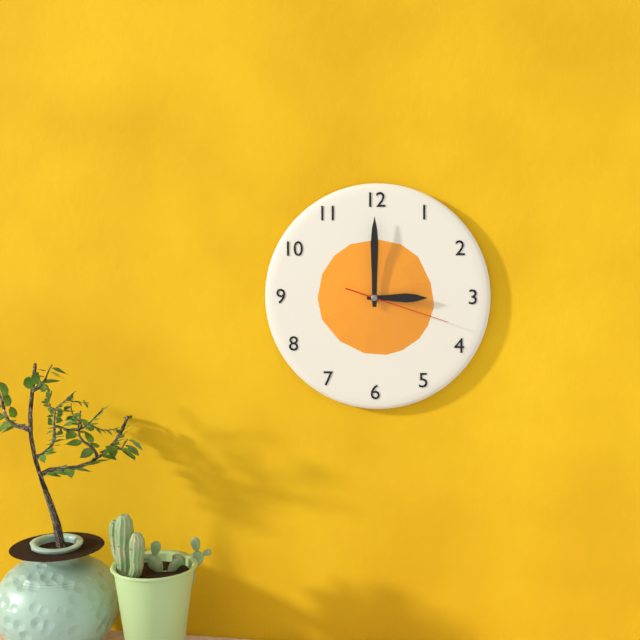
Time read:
3h00m18s
